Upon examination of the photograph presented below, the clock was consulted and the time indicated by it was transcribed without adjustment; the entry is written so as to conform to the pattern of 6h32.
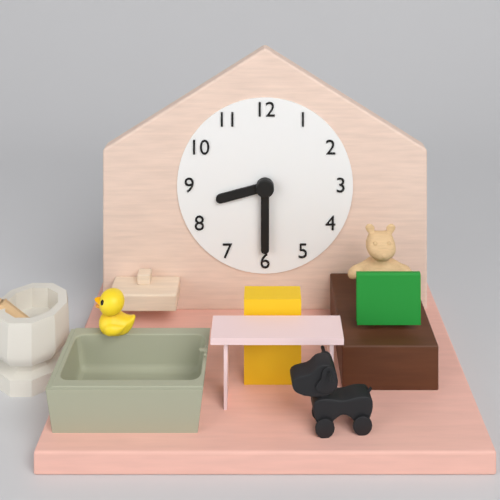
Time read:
8h30
